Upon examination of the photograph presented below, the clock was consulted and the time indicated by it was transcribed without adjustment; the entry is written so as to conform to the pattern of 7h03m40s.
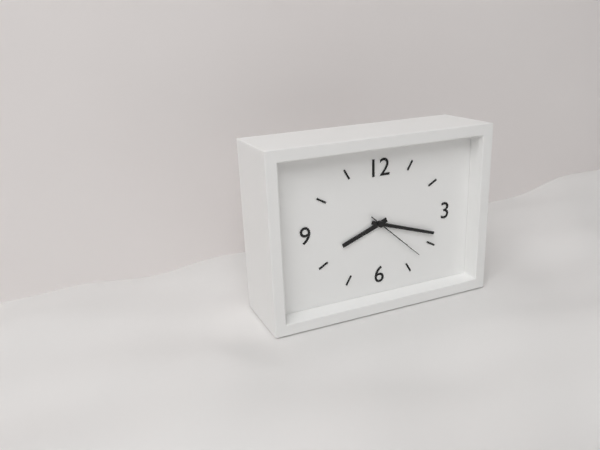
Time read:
8h18m22s
